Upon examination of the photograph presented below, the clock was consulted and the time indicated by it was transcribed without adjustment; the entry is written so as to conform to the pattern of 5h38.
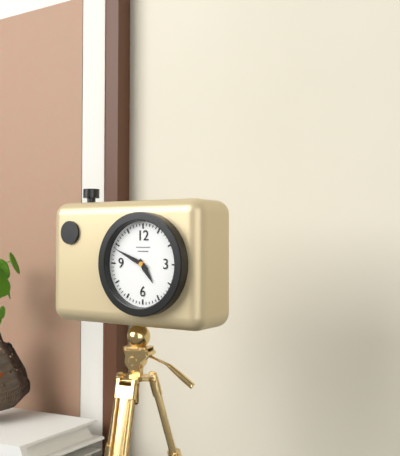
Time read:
4h49
